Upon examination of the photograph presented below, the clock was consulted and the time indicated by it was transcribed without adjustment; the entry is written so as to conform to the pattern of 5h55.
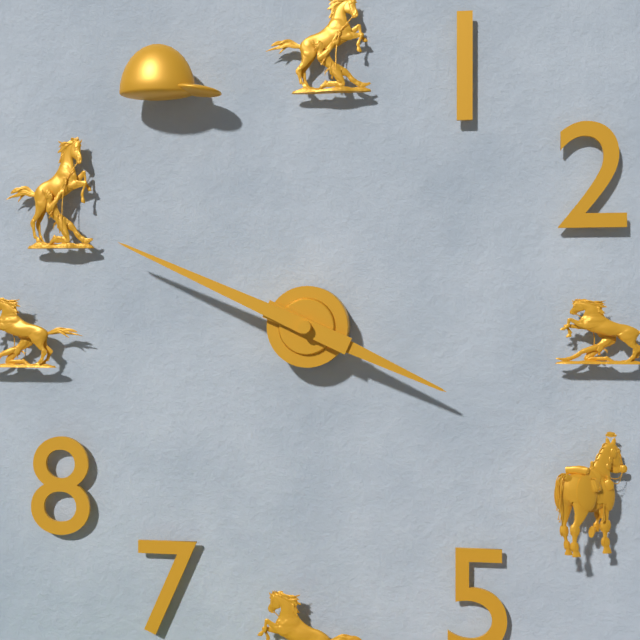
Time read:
3h49
